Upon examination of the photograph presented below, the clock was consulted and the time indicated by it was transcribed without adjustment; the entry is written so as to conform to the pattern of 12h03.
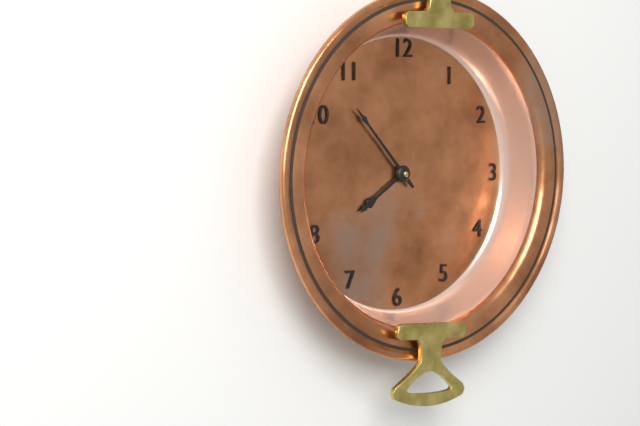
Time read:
7h53
